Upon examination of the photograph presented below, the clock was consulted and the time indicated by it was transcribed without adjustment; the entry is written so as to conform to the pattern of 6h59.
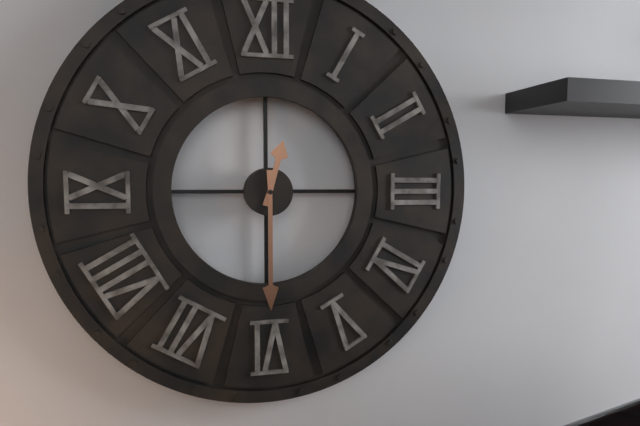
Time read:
12h30
